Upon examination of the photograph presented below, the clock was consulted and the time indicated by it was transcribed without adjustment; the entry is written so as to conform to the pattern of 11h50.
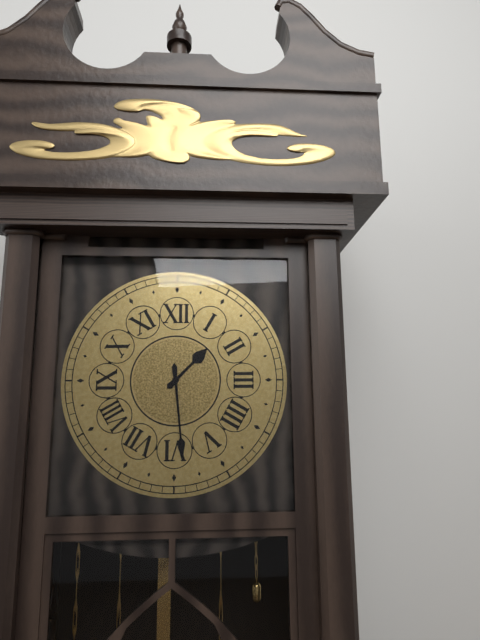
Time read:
1h29
